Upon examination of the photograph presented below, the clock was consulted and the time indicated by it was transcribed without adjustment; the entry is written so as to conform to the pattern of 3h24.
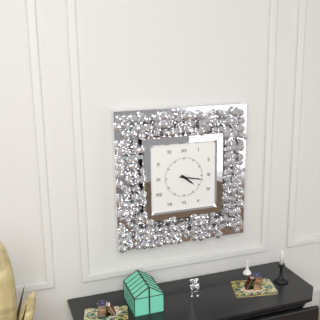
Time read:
4h17
